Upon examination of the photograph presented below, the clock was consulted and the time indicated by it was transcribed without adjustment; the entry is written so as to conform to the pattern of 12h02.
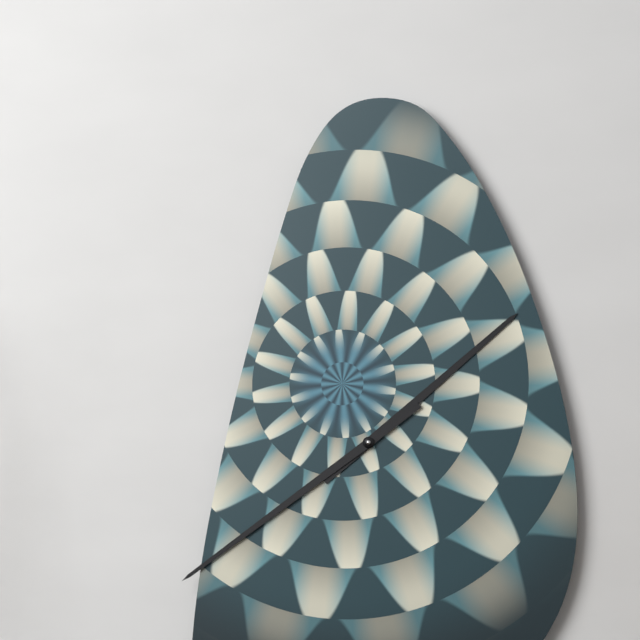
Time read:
1h39
